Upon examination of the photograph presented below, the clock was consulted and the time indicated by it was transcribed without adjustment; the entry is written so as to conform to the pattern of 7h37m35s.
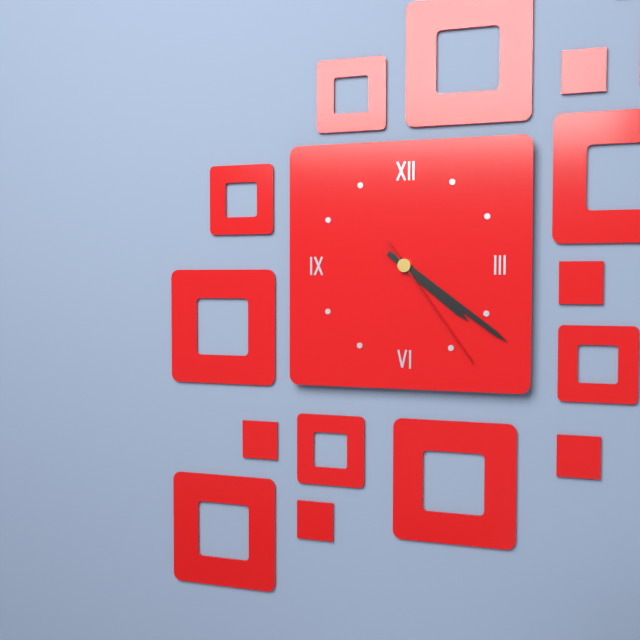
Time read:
4h21m24s
